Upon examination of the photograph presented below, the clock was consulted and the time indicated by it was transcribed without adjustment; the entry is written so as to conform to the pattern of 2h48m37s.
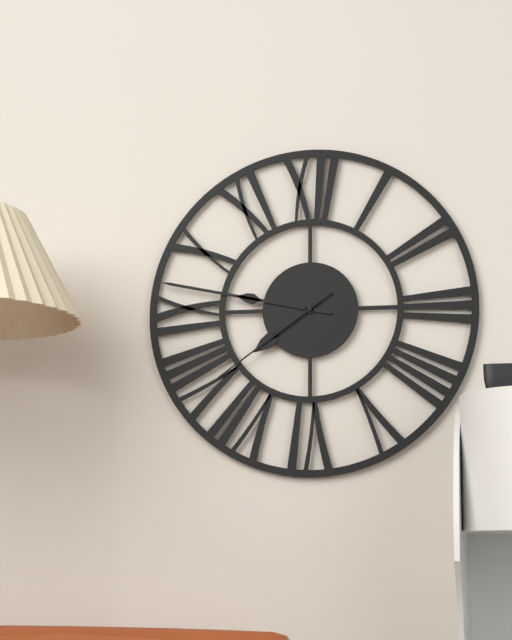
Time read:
7h47m39s
